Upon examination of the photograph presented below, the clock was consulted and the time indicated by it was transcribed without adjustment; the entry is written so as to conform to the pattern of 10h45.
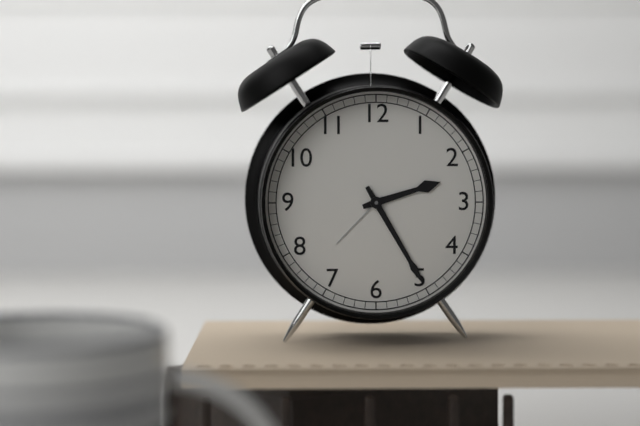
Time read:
2h25
